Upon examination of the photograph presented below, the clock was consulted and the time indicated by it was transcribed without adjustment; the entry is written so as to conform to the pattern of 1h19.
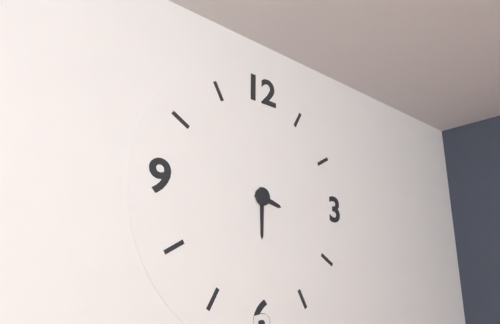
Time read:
3h30
